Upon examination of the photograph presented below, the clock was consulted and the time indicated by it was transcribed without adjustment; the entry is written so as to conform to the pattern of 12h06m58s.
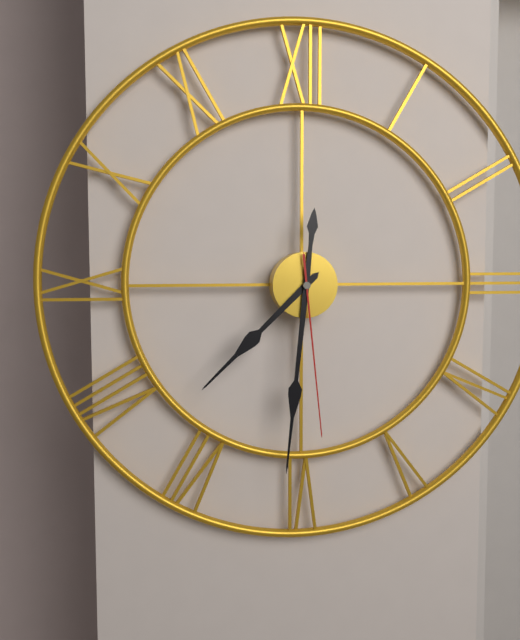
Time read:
7h31m29s
